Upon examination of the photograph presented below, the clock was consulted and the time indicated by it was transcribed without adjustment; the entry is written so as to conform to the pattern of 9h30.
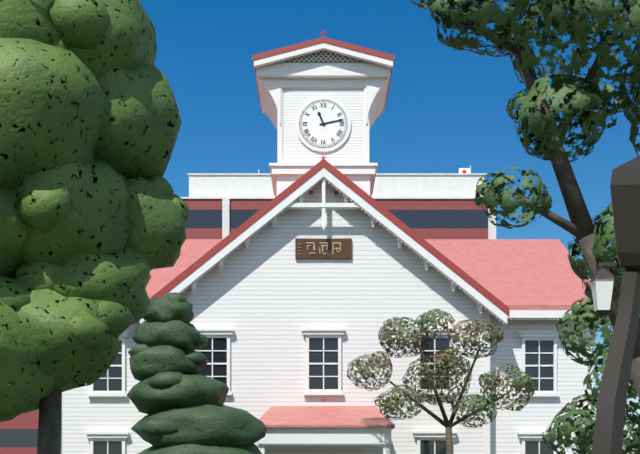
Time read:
11h13
